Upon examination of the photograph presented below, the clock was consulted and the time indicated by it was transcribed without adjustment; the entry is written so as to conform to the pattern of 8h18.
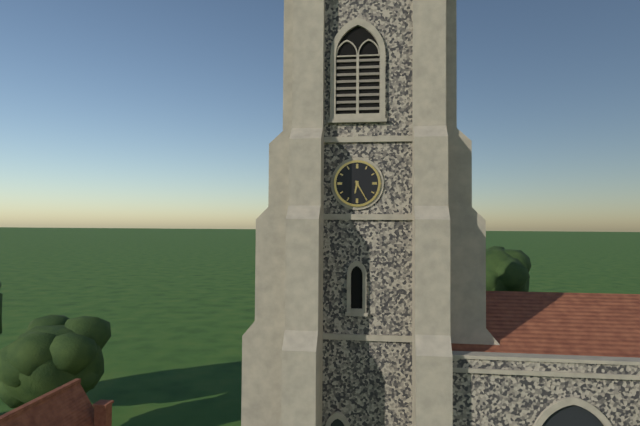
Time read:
6h25
